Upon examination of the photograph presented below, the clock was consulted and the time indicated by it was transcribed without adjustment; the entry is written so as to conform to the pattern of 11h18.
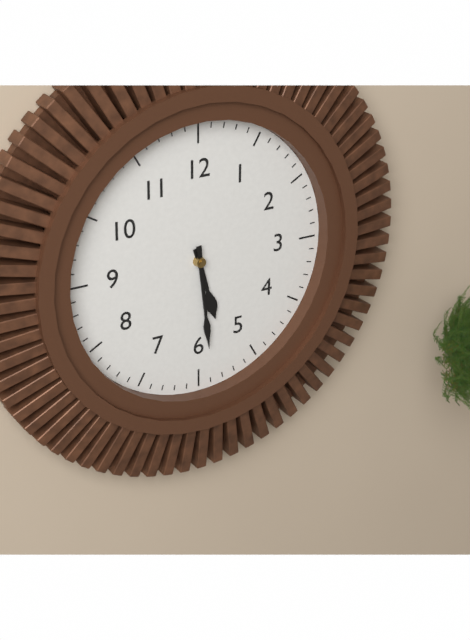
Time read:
5h29
